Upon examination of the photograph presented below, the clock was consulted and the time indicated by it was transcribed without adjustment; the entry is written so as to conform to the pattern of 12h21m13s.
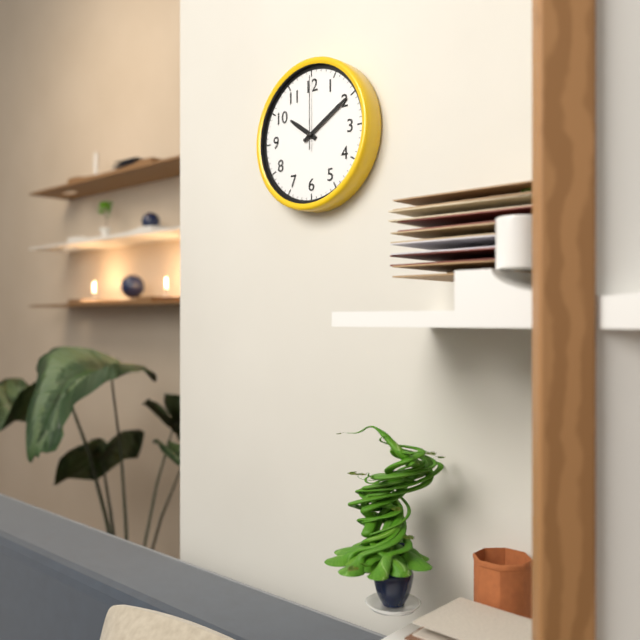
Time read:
10h10m00s
